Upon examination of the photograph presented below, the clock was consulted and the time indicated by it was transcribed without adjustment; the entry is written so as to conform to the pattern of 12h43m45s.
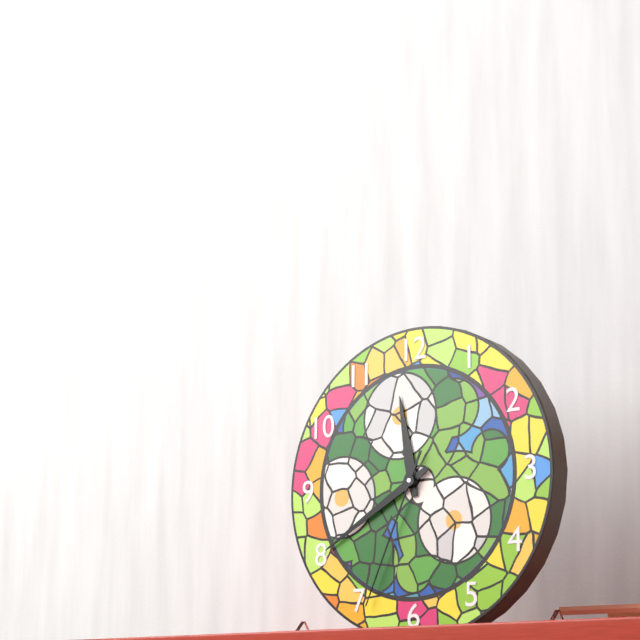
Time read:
11h40m34s
